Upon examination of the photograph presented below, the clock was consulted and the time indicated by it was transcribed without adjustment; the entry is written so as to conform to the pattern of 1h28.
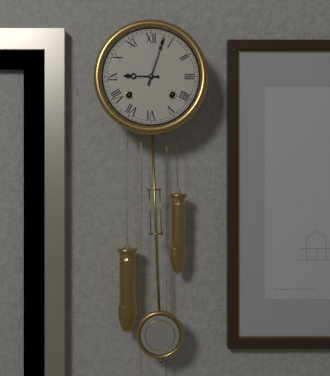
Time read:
9h03
